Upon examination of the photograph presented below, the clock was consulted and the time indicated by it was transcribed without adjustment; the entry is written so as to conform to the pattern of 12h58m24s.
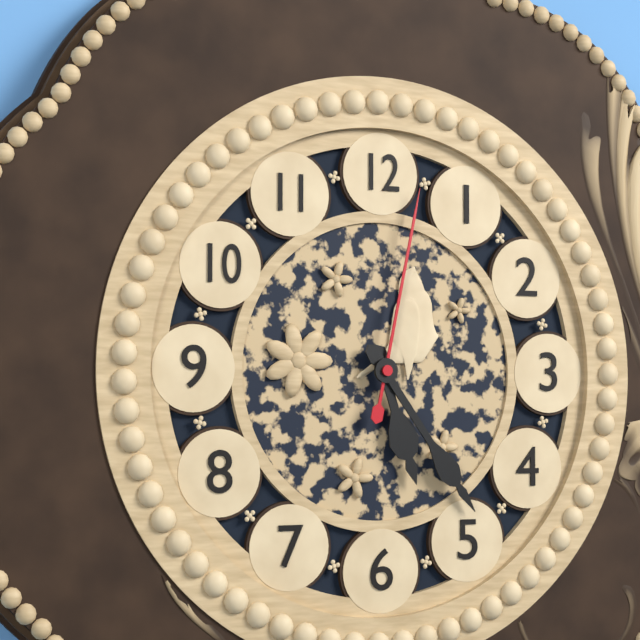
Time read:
5h24m02s
